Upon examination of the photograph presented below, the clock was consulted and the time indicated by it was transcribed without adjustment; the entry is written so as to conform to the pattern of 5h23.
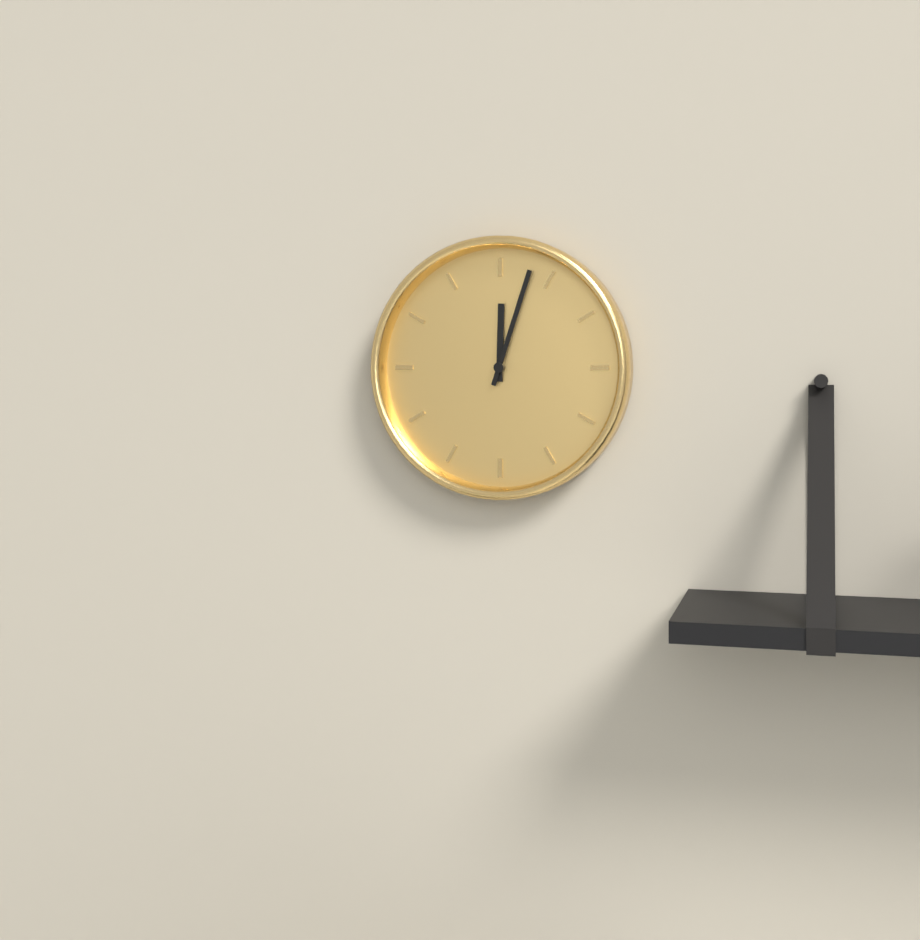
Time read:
12h03
